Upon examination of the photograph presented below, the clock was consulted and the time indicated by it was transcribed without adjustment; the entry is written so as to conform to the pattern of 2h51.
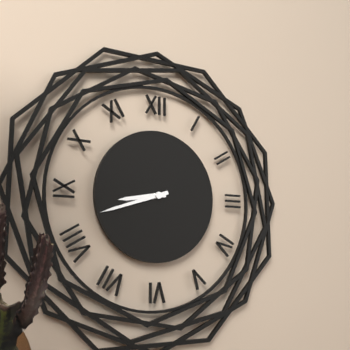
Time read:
8h42
